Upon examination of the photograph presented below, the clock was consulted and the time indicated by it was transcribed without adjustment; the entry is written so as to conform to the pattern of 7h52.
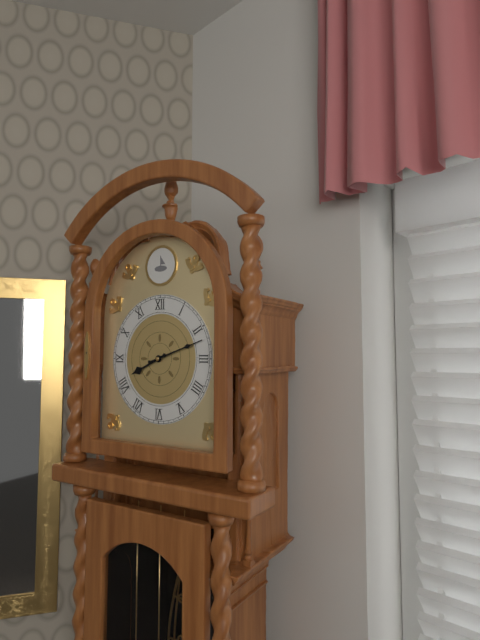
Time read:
8h12
